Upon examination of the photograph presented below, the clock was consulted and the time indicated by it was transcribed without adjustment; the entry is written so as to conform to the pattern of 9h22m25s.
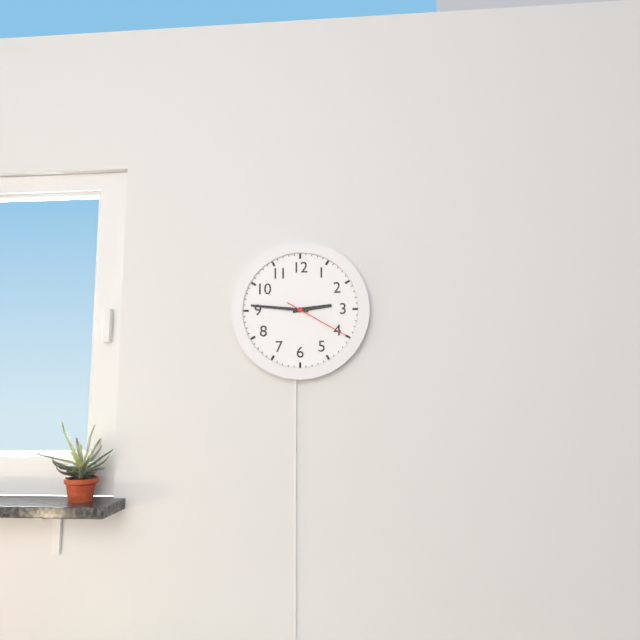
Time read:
2h46m20s
